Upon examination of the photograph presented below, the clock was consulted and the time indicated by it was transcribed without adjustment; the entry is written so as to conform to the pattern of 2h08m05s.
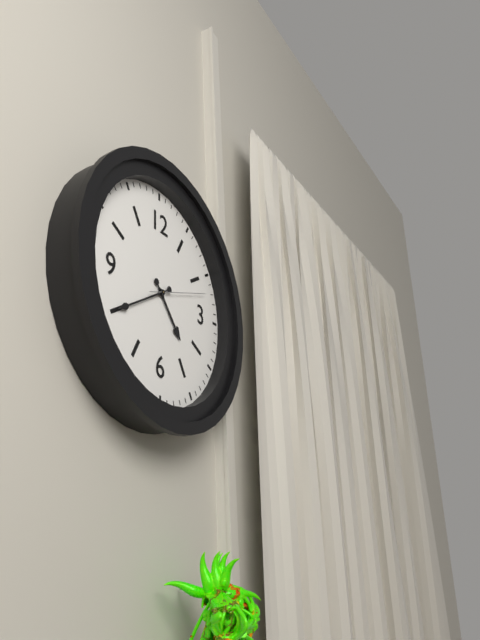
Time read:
4h40m12s
